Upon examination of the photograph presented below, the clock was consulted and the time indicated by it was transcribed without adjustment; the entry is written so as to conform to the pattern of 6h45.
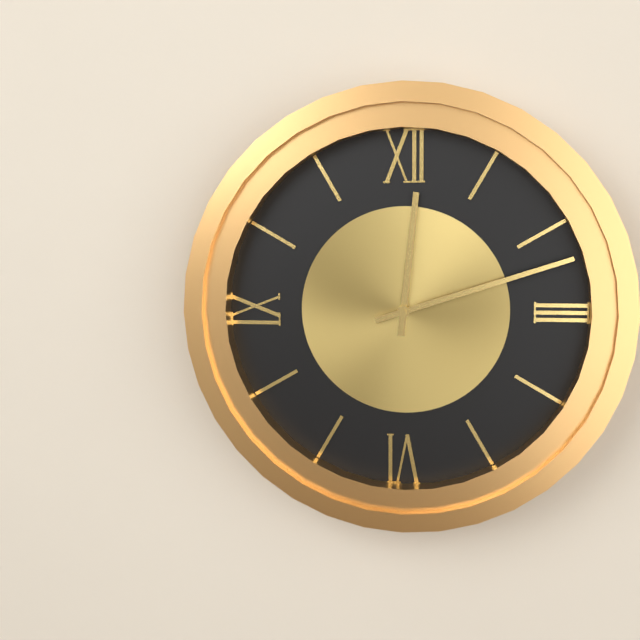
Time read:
12h12
